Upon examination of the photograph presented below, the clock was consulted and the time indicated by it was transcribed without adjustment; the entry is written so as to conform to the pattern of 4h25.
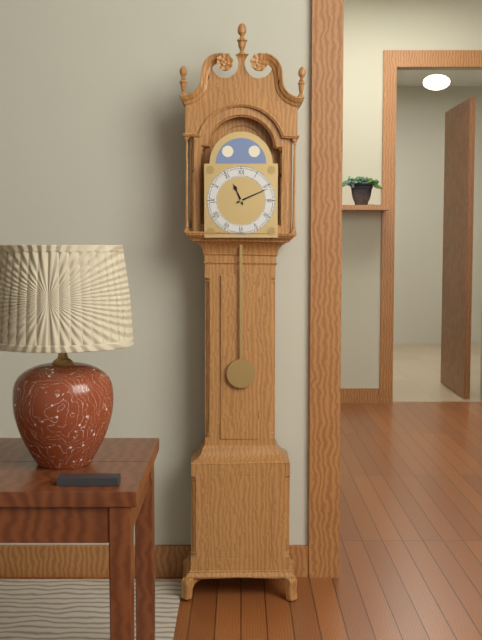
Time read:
11h11
